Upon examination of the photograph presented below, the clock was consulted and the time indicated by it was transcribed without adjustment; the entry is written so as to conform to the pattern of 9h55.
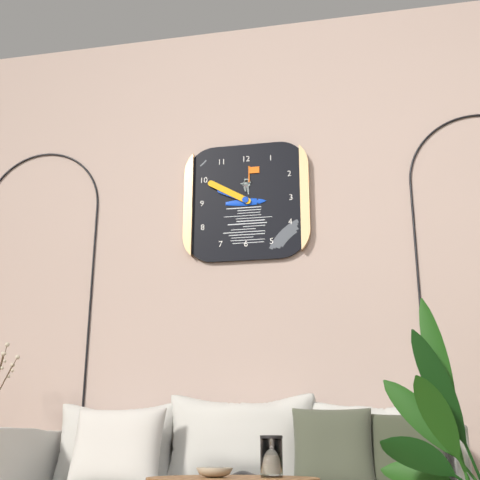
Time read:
9h50
